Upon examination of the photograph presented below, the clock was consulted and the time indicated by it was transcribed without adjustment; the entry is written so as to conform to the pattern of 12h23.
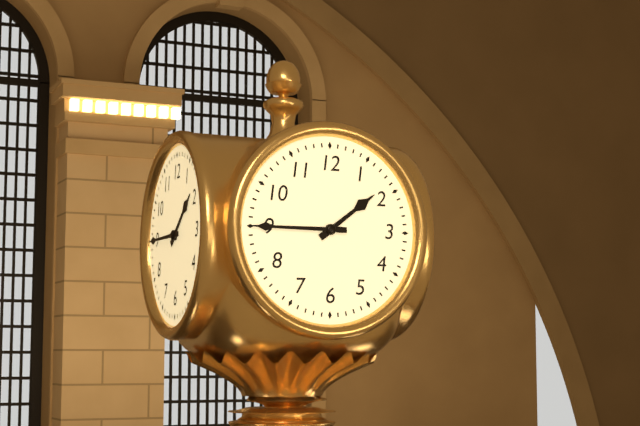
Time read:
1h45
